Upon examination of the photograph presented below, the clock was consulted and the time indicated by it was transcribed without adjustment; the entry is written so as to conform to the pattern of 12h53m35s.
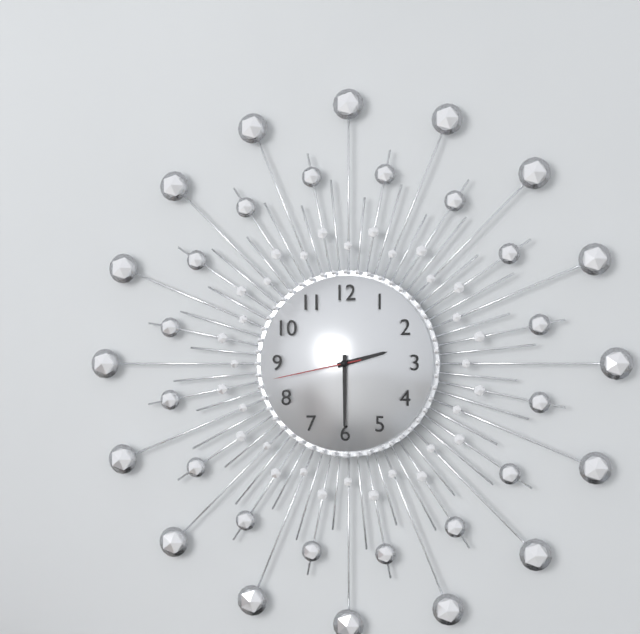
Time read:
2h30m43s
